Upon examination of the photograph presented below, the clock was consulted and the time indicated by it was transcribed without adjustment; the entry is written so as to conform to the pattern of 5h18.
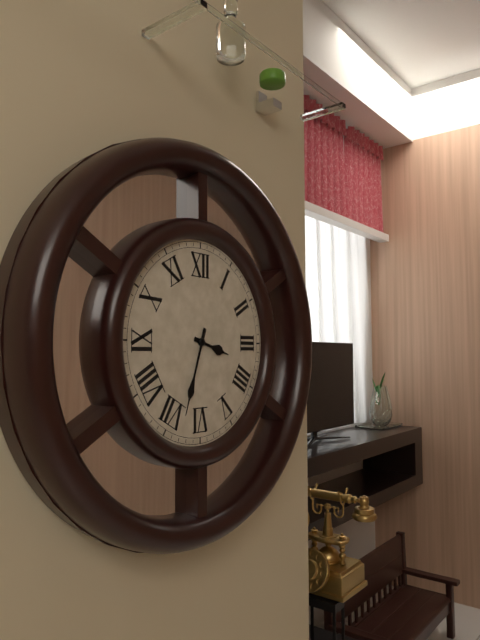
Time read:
3h33
